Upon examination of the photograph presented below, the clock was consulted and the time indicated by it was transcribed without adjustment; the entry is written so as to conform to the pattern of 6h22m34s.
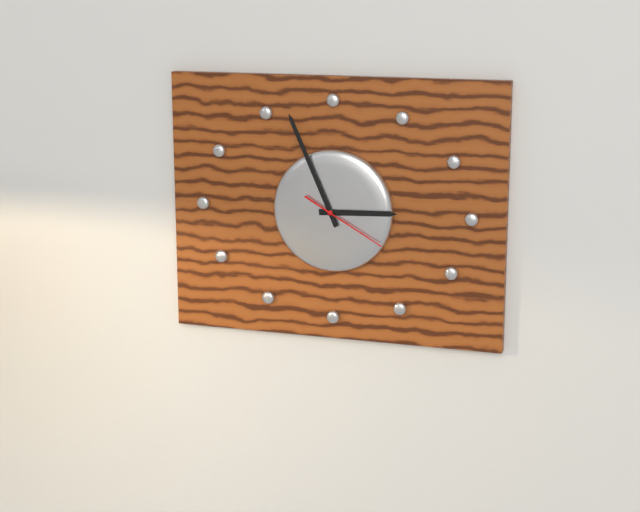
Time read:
2h56m20s
